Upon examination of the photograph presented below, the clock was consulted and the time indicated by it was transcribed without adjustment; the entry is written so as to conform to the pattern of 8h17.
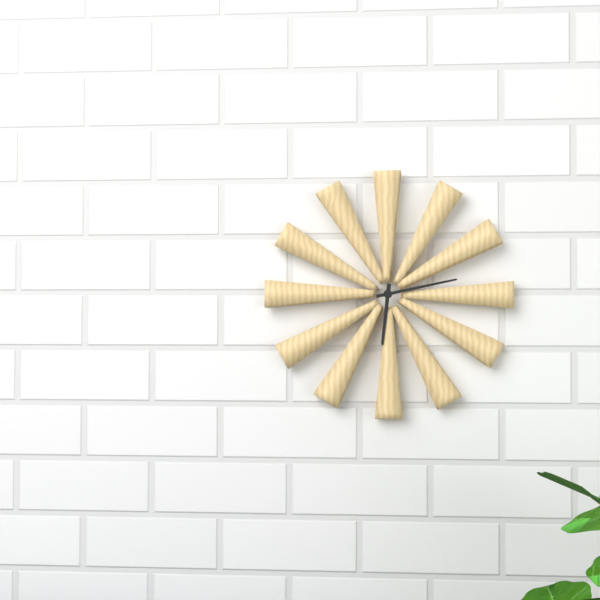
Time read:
6h13
